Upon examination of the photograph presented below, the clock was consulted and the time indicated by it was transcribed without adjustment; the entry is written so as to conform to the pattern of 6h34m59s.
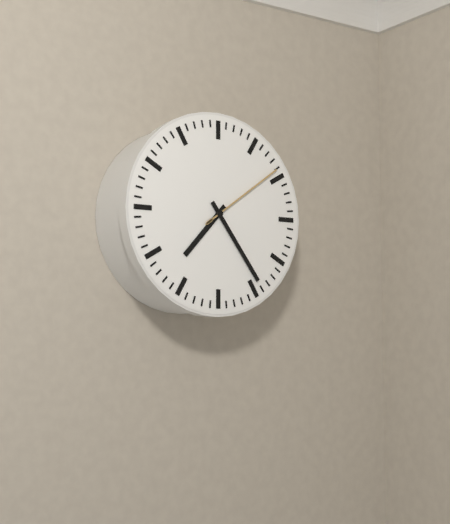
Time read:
7h24m09s
